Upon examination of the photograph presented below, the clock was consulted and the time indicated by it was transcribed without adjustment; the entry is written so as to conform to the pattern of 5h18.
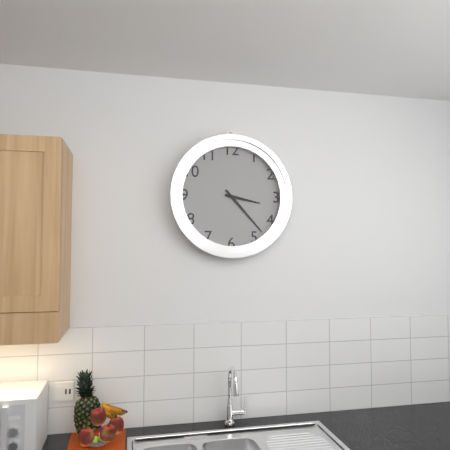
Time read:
3h23
